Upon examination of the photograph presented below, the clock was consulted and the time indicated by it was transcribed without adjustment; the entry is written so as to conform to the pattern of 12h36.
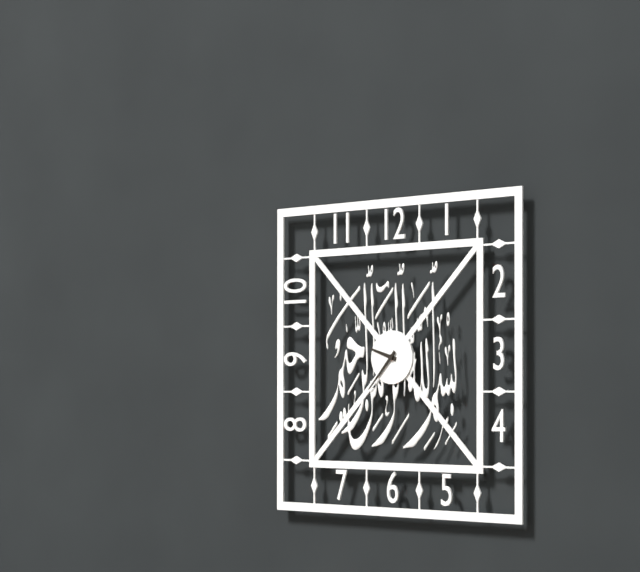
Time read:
9h37
